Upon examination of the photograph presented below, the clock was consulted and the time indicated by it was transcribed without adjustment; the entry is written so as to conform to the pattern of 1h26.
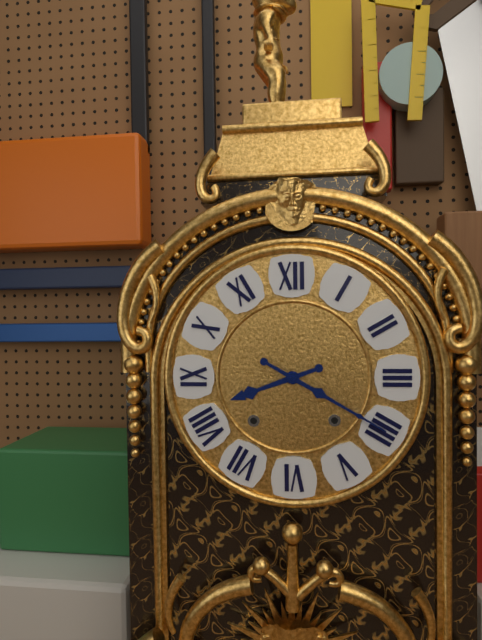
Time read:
8h20
